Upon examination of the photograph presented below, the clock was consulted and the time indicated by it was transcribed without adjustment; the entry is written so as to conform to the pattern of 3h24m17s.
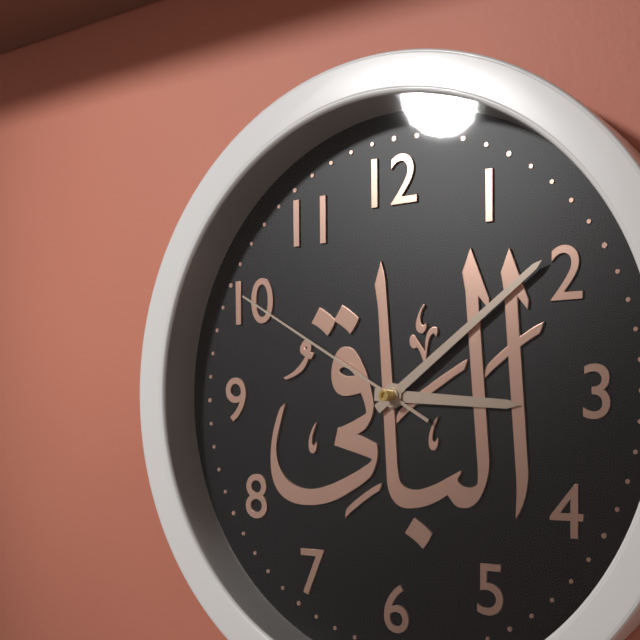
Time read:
3h09m50s
